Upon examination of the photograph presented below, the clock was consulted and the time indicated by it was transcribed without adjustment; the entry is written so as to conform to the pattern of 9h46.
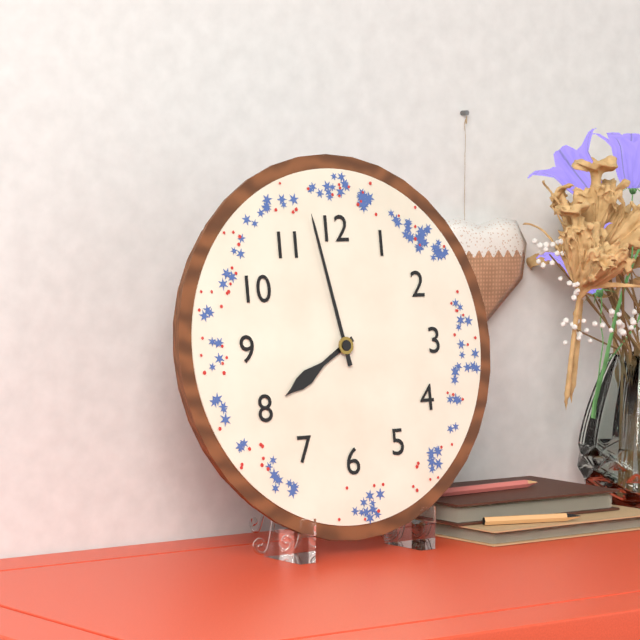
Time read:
7h58
